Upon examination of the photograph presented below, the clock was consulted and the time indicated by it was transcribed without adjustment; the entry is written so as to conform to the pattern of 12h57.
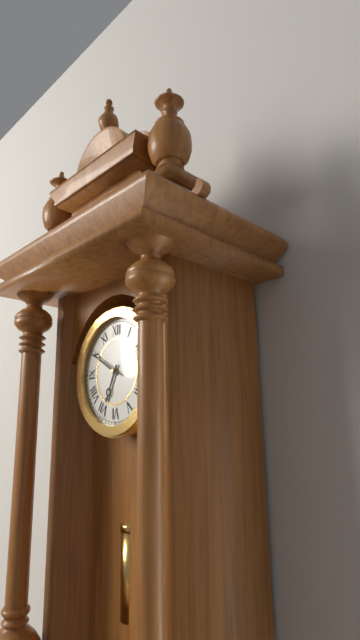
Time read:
6h50
